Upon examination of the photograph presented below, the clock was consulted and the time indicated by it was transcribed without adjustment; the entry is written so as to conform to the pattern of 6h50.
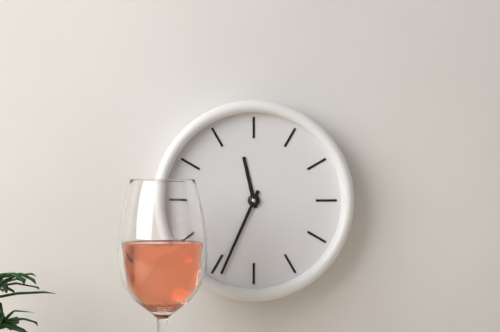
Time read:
11h34
